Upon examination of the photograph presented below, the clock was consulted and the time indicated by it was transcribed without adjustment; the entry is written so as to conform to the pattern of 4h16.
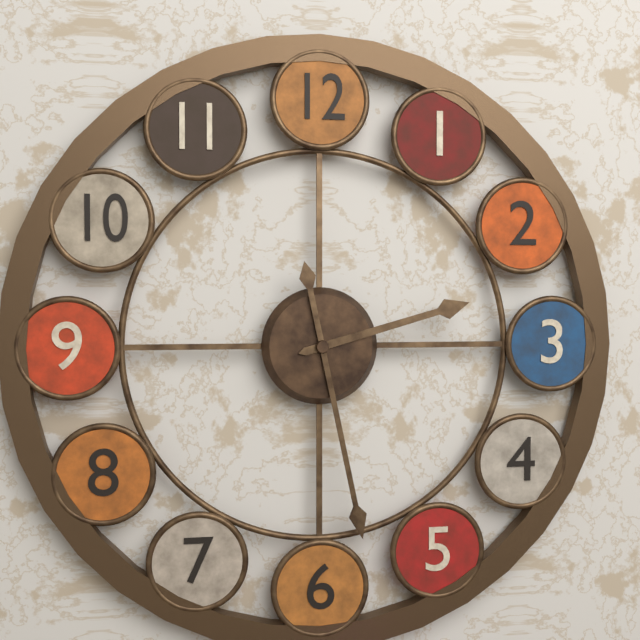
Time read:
2h28
